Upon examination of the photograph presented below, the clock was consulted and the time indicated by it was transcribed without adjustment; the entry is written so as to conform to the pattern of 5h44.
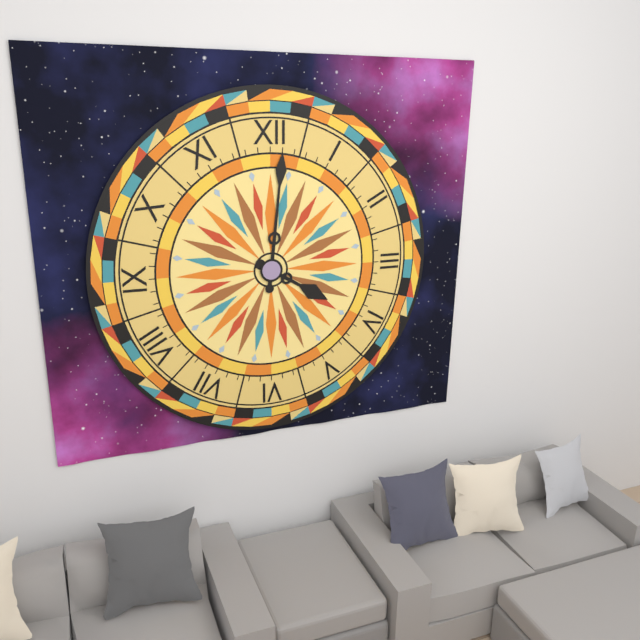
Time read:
4h01
